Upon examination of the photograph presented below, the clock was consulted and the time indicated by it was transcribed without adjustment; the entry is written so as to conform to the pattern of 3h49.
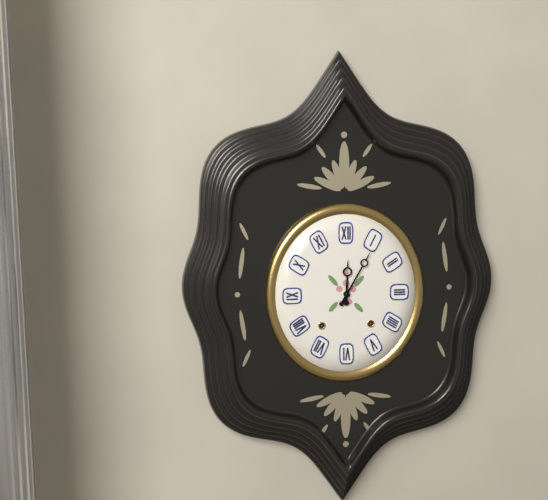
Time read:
12h05
